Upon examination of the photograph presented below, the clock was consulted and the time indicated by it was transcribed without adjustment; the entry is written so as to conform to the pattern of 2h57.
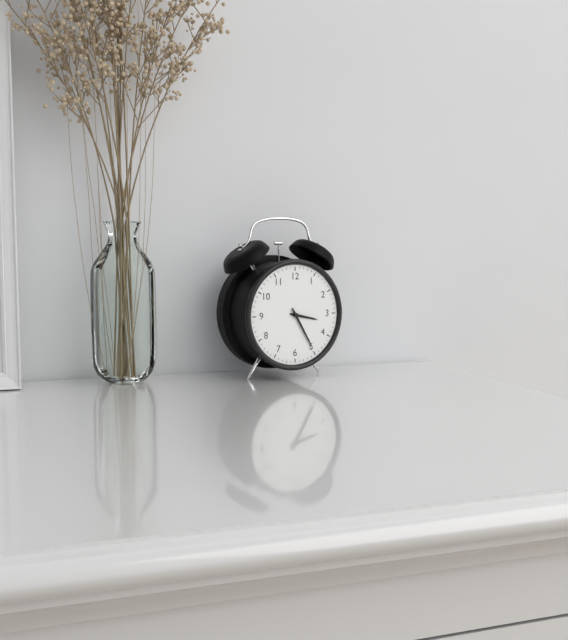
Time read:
3h25
